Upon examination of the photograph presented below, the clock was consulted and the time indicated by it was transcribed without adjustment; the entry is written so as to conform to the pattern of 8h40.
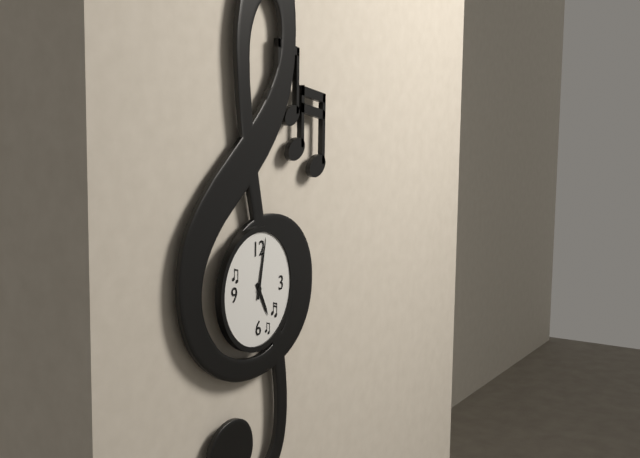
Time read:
5h02
